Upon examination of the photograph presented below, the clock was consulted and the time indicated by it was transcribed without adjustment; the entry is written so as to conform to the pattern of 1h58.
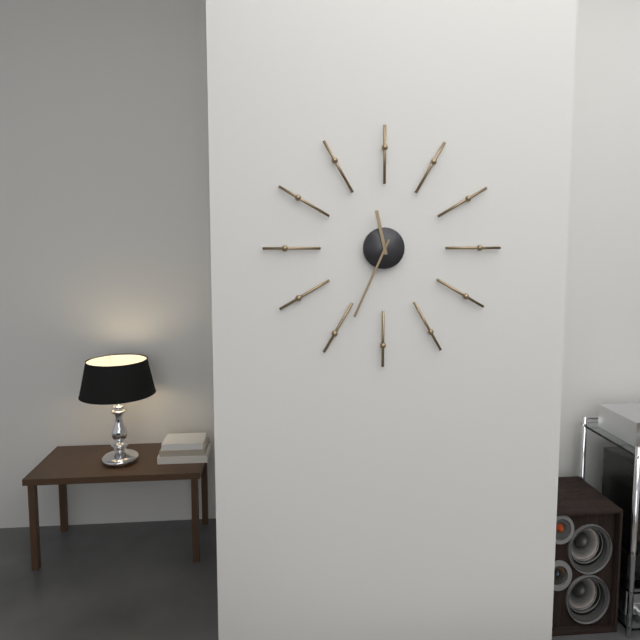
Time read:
11h34
